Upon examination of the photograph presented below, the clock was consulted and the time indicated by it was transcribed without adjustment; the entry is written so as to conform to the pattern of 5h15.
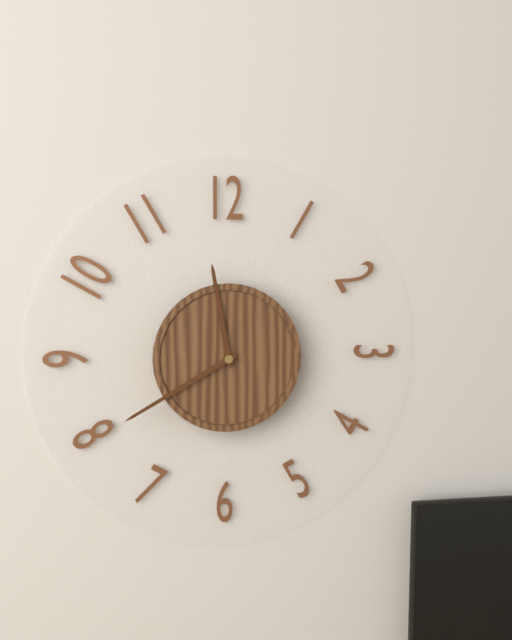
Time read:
11h40
